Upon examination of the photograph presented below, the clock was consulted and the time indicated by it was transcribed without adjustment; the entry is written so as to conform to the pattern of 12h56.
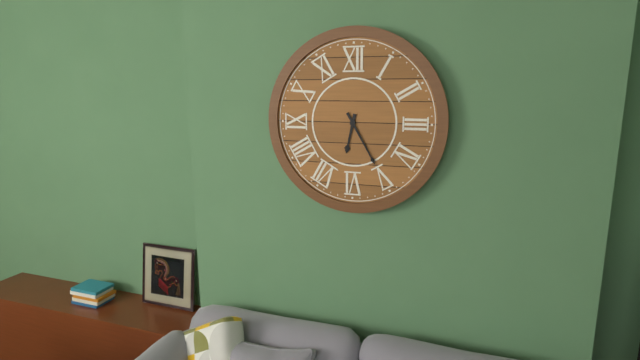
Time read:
6h25
